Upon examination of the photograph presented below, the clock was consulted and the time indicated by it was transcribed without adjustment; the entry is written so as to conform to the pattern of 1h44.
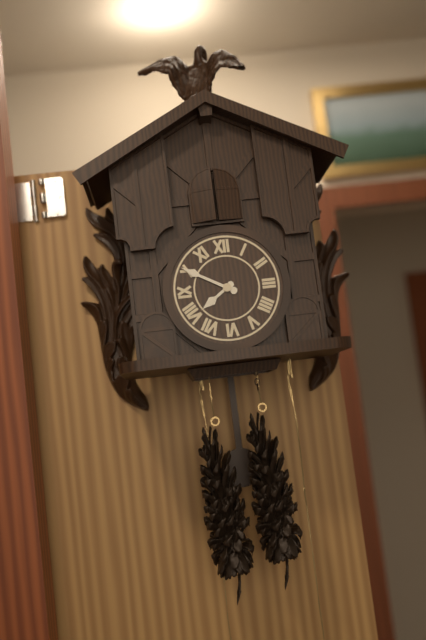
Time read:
7h50
